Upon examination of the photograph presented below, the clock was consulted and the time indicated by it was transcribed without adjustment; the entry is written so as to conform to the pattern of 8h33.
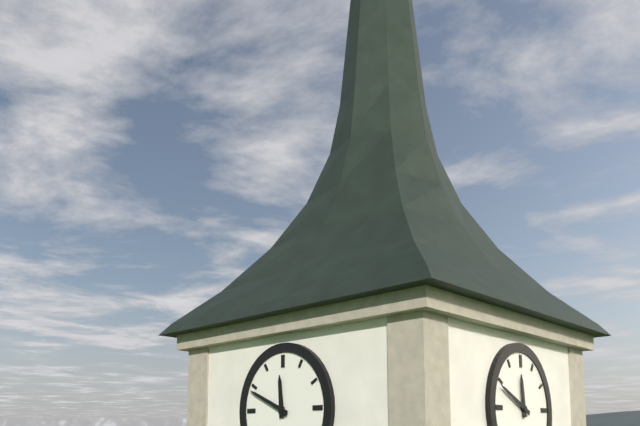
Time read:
11h49
